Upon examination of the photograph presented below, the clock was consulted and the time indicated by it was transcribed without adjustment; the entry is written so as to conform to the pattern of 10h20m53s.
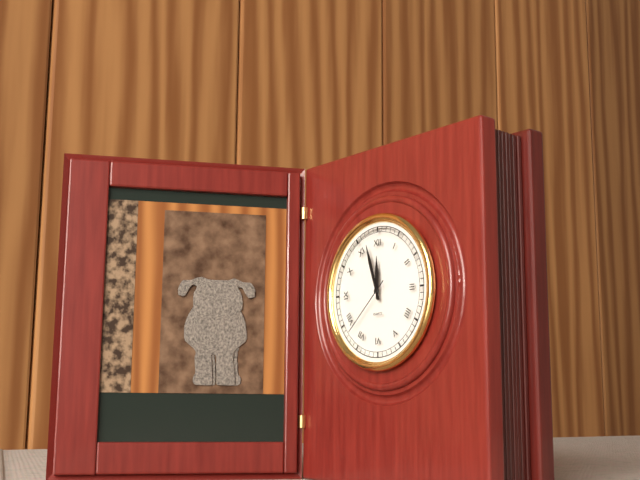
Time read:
11h57m38s
